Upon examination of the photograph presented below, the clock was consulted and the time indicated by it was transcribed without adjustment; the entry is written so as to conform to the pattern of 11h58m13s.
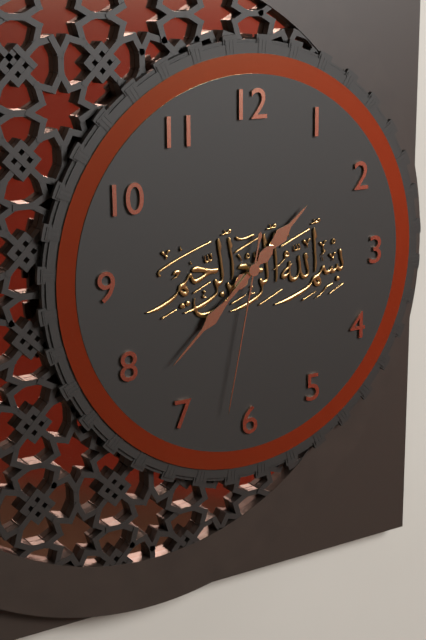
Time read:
1h38m32s
